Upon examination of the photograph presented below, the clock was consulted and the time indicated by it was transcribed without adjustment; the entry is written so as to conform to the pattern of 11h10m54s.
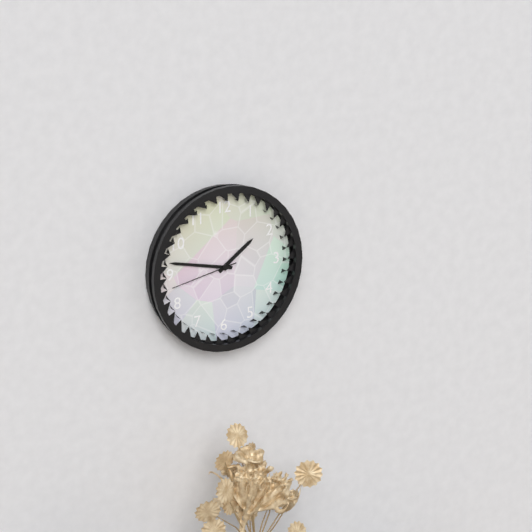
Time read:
1h47m43s
